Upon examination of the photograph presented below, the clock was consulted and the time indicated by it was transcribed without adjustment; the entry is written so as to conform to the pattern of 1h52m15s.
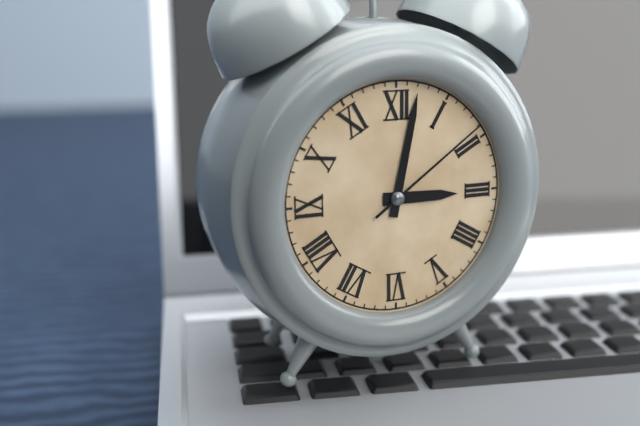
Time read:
3h02m09s
